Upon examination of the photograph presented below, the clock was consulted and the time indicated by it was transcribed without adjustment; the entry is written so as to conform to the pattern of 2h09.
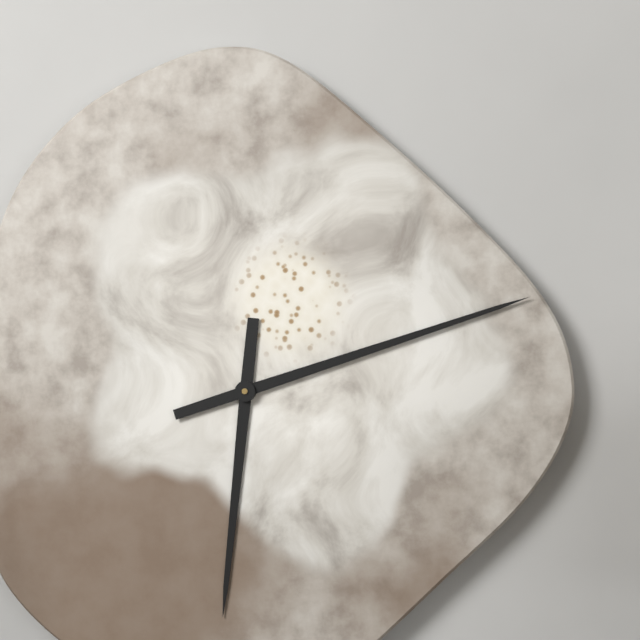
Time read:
6h12
